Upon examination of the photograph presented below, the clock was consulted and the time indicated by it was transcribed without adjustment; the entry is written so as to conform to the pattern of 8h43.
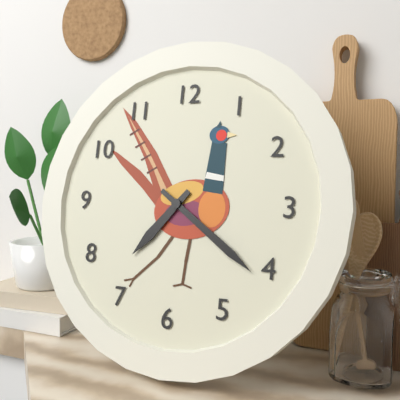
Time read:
7h21
